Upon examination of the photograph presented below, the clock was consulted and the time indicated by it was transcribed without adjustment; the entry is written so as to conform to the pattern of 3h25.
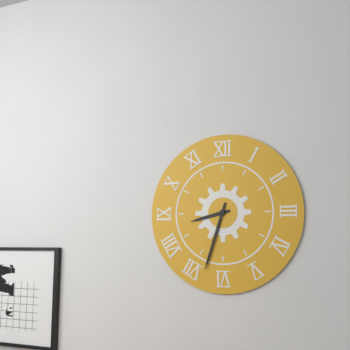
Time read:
8h33
